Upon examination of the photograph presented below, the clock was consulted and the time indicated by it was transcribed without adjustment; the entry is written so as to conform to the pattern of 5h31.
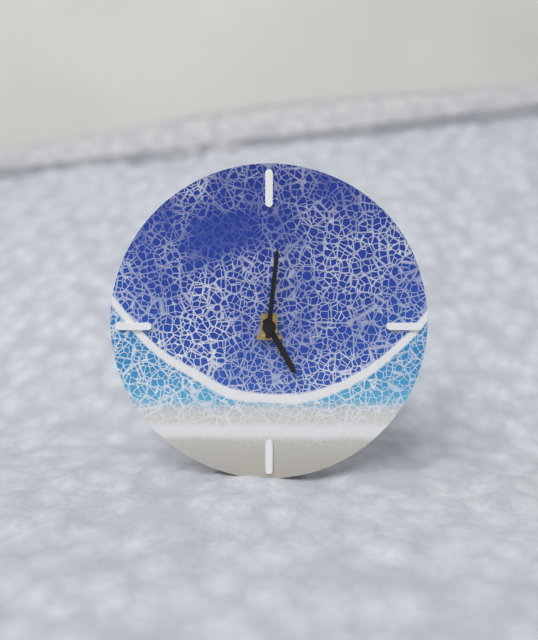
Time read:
5h01
